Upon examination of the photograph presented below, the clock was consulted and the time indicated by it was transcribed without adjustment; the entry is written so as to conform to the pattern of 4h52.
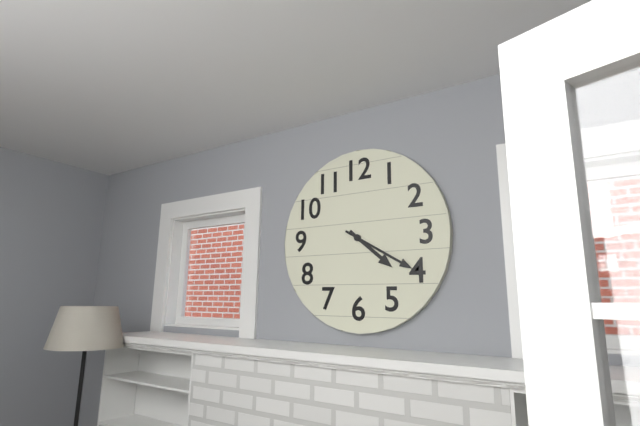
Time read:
4h20
